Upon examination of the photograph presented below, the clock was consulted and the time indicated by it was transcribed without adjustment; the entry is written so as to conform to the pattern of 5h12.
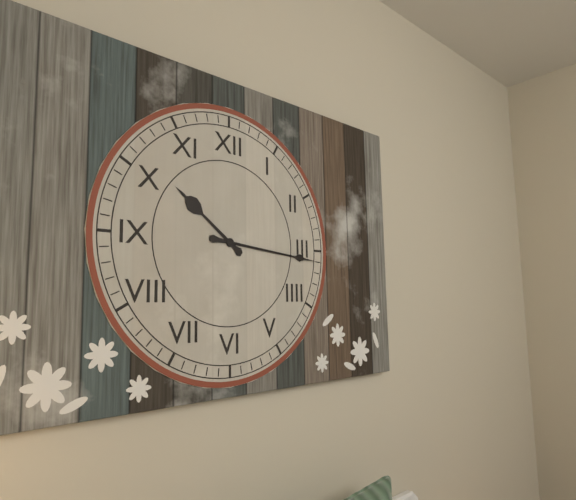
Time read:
10h16
